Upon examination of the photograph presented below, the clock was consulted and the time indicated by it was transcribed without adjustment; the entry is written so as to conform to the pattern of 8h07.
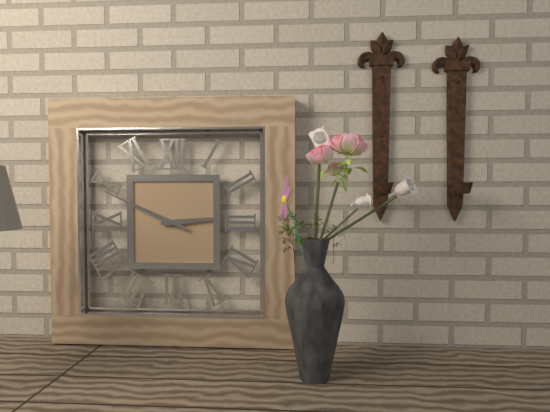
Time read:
2h49
